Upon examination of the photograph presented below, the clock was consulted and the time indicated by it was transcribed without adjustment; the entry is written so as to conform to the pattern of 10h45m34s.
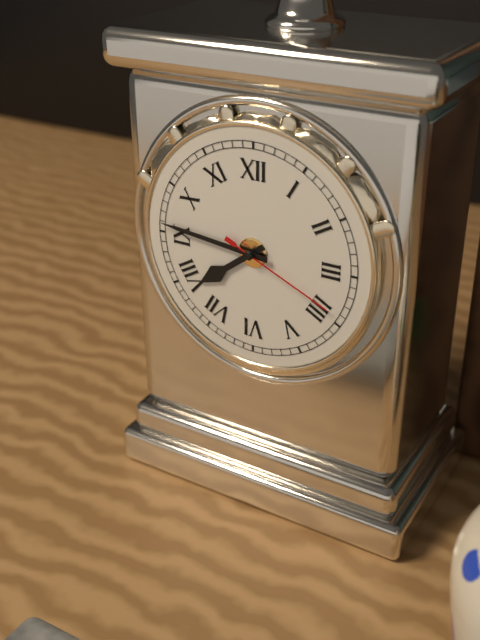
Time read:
7h46m19s
